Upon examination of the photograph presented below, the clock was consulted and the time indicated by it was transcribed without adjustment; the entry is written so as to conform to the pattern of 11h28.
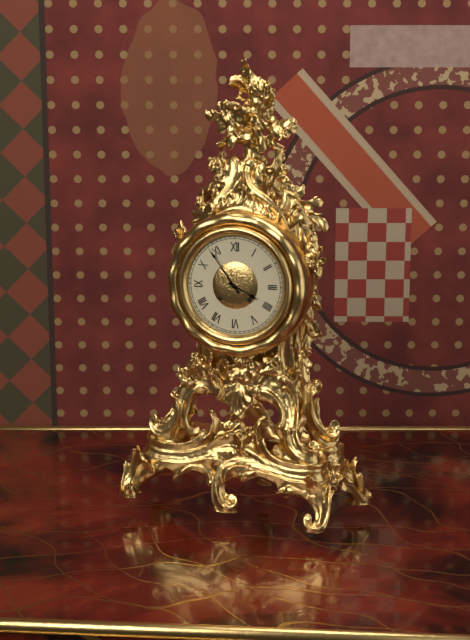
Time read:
3h54
